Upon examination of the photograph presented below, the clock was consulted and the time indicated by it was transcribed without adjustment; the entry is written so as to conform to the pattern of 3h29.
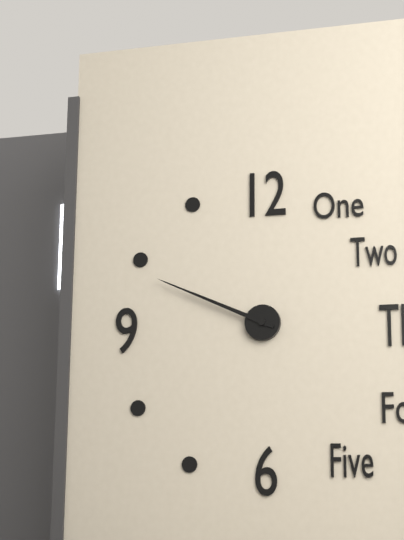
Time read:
9h49
